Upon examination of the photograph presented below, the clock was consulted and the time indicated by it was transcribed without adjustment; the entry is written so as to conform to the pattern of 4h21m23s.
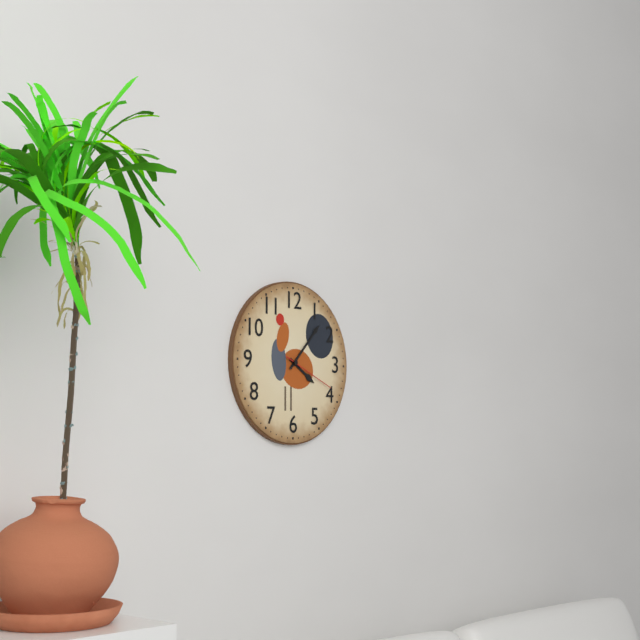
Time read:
4h07m19s
